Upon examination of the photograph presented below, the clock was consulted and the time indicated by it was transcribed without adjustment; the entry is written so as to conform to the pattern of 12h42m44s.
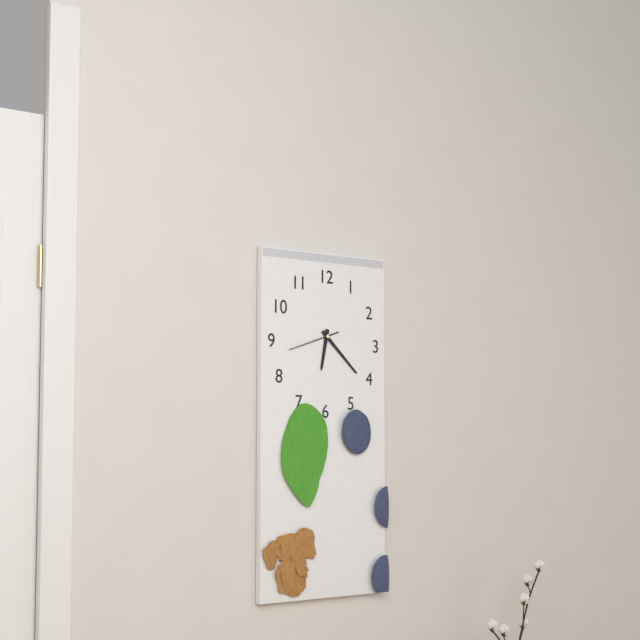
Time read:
6h22m42s
